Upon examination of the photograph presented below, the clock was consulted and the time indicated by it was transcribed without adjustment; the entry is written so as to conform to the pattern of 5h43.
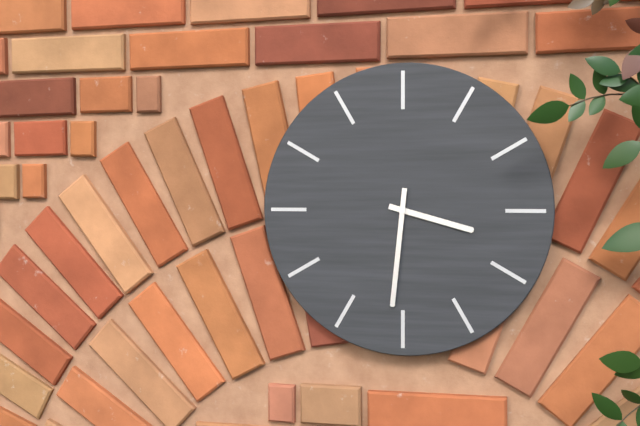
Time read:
3h31
